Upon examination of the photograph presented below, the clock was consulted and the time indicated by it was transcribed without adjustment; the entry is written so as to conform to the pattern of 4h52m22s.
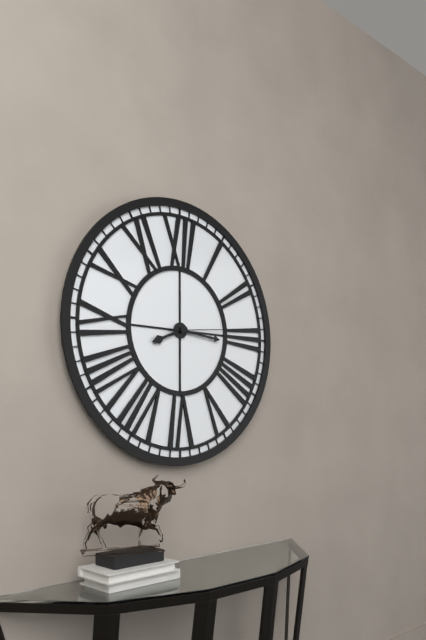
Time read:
8h16m14s
